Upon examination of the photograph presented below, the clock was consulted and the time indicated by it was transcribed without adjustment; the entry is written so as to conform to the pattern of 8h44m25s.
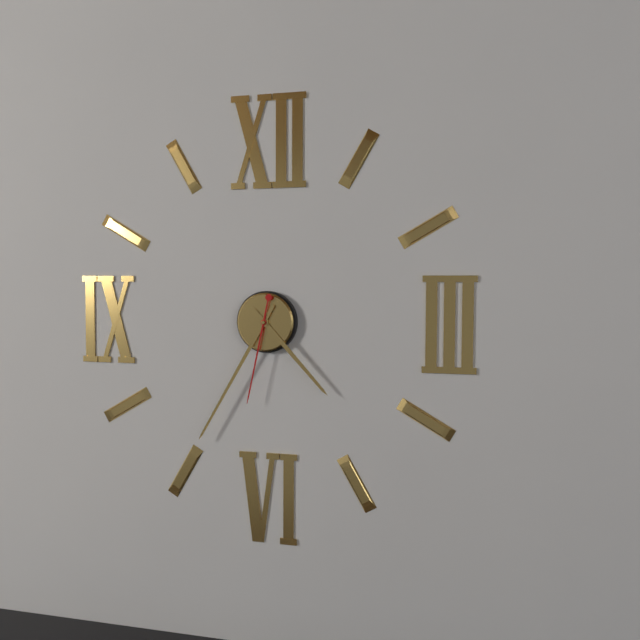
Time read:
4h35m32s
